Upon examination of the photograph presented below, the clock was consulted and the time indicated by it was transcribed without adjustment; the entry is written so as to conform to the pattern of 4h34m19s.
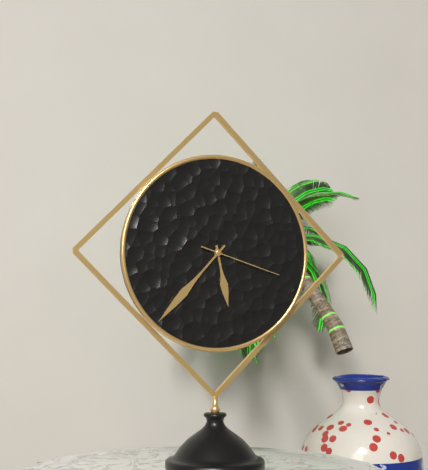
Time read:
5h37m18s
